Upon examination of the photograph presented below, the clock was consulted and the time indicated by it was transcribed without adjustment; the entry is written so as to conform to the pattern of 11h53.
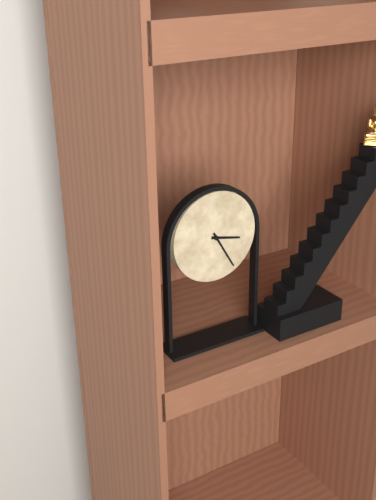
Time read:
3h25
